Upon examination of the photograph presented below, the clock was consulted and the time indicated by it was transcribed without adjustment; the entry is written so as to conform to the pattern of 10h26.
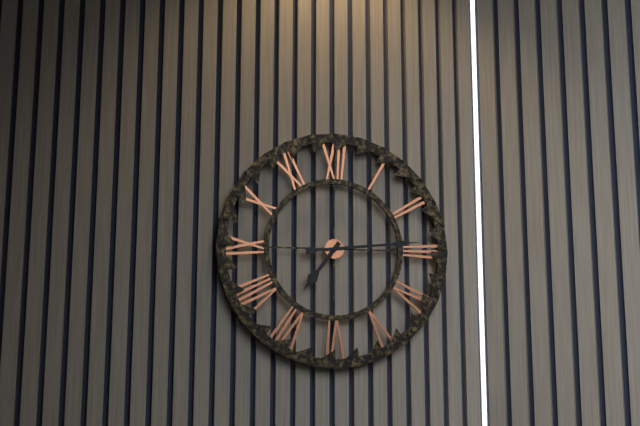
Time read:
7h14
